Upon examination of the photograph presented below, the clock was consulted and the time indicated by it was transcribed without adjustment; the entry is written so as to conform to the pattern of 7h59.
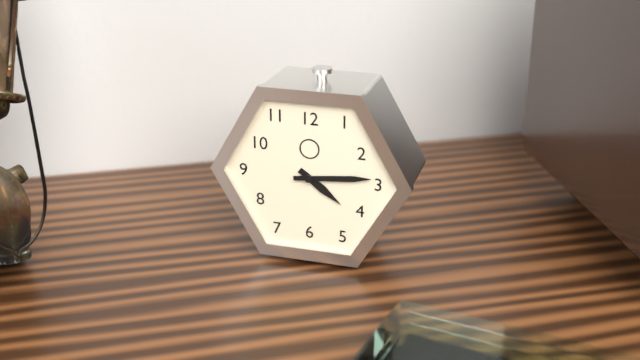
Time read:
4h14
